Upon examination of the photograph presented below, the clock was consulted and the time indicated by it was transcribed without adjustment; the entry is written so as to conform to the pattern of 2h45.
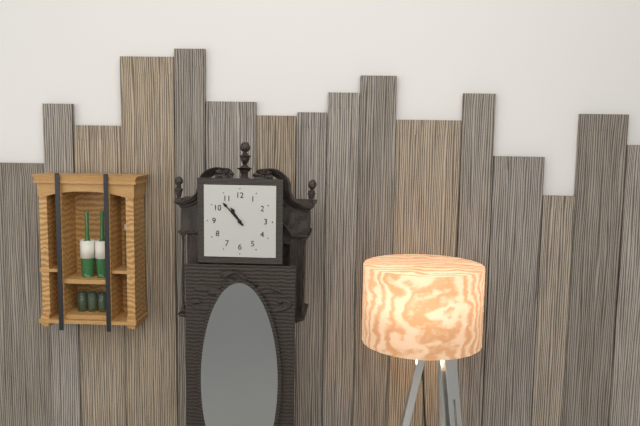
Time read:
10h53
